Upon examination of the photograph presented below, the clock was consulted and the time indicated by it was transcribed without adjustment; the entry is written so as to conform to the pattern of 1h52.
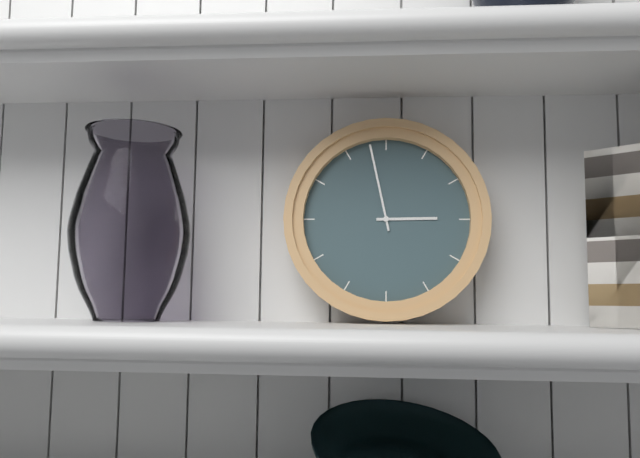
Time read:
2h58
